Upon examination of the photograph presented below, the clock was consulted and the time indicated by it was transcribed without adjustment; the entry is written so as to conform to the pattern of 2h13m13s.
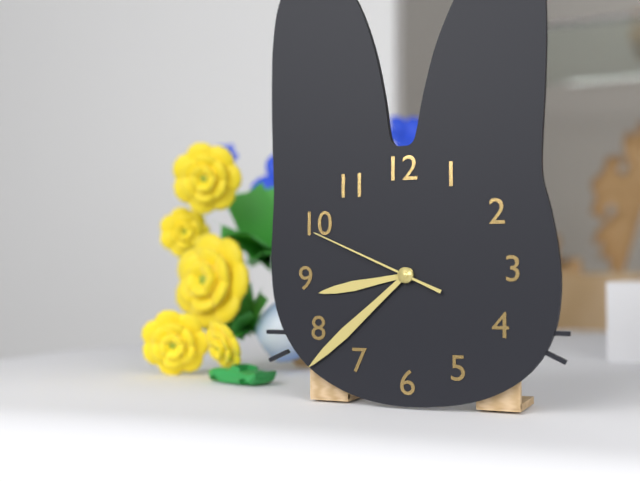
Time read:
8h38m49s
